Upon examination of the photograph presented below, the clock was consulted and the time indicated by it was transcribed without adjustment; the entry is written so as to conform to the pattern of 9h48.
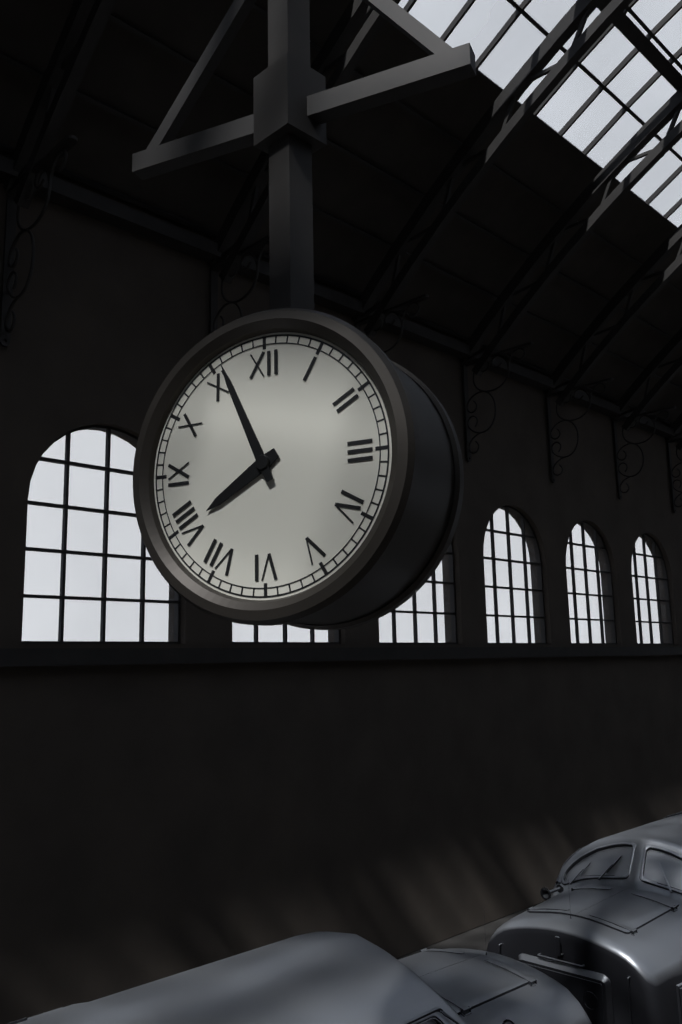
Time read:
7h56
